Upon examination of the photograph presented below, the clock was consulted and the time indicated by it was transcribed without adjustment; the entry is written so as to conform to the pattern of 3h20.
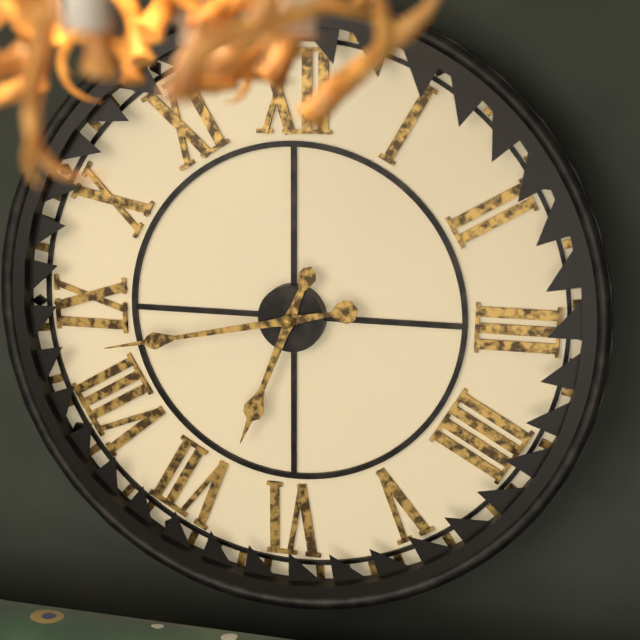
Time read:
6h43
